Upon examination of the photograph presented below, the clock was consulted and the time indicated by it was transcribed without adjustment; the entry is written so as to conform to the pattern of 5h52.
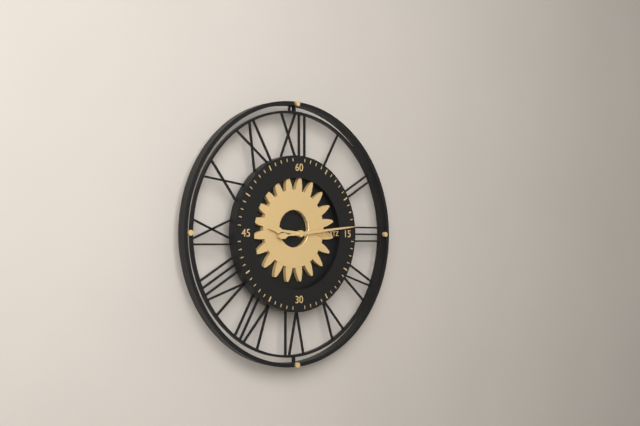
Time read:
9h14
